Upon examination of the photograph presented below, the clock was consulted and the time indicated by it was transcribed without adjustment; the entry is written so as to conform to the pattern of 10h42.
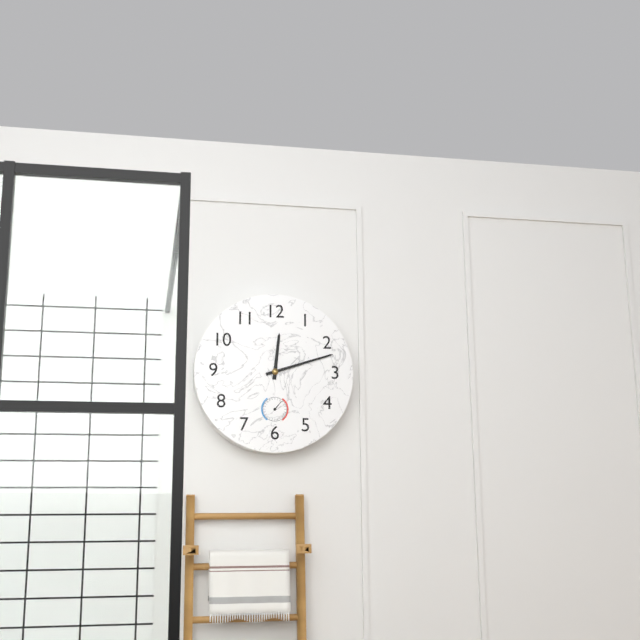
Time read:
12h12
